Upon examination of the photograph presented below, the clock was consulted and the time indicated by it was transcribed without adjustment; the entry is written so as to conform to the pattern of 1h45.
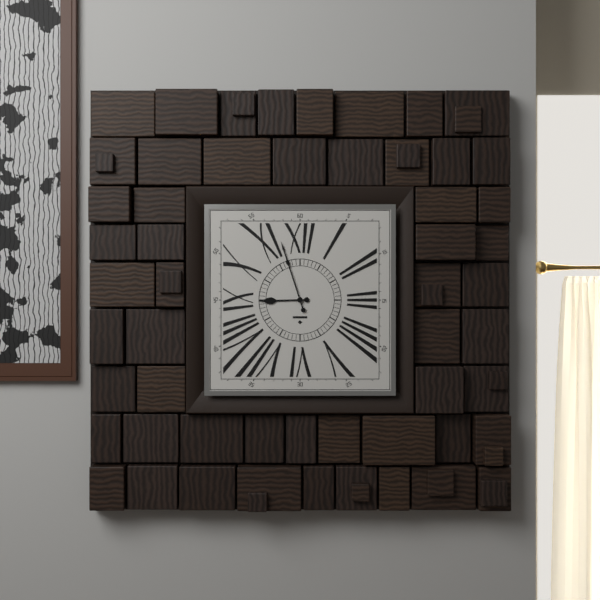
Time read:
8h57
